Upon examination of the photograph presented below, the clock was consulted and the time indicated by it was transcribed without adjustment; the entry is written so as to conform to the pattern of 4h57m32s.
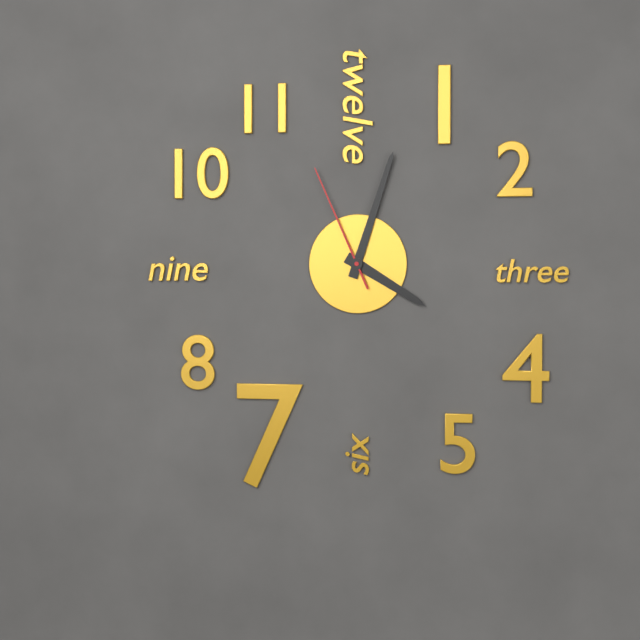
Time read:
4h03m56s
